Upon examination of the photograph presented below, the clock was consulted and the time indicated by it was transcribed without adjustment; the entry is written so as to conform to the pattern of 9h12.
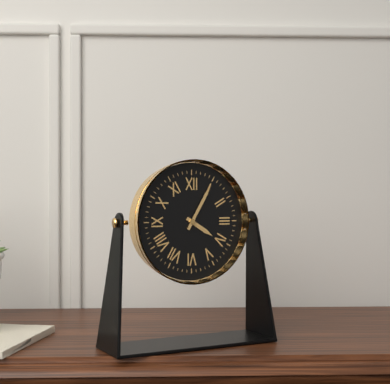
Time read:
4h05
